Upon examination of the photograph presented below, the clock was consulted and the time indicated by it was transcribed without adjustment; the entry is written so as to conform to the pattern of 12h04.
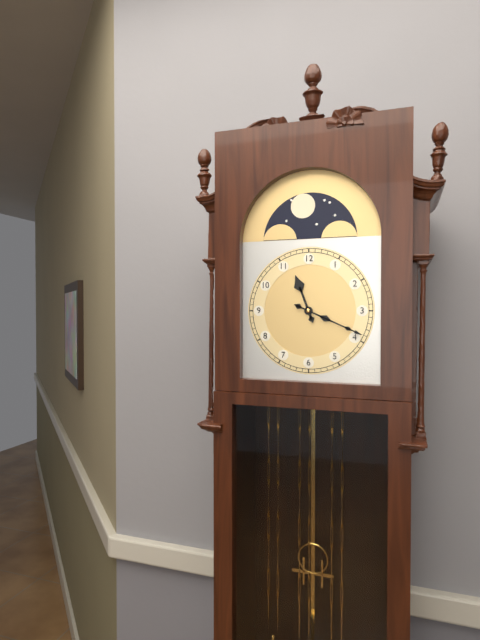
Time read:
11h19
